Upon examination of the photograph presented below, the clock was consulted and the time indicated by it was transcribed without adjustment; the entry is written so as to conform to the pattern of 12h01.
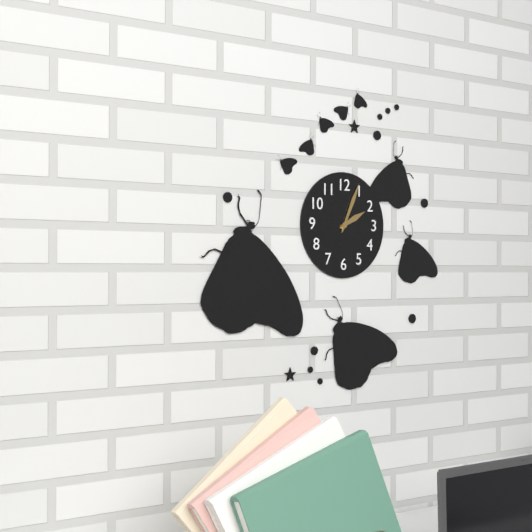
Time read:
2h04
